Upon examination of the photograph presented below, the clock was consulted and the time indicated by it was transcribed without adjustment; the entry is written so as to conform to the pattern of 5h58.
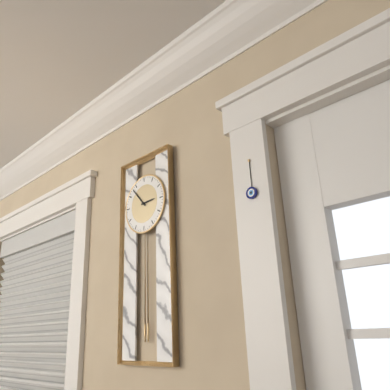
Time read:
2h53
